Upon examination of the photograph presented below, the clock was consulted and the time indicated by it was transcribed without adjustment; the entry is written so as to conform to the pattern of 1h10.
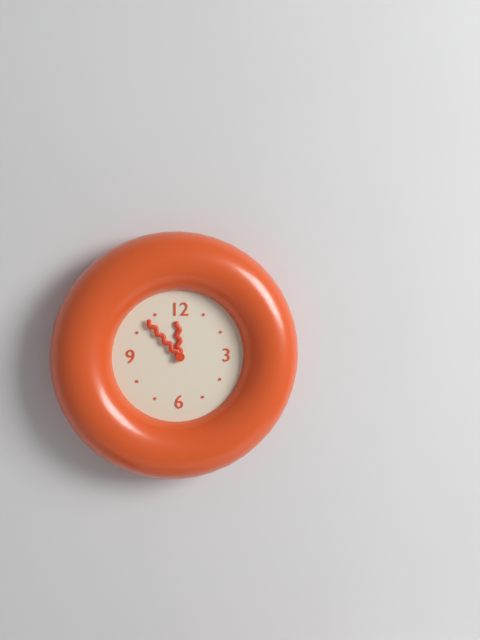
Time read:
11h53
